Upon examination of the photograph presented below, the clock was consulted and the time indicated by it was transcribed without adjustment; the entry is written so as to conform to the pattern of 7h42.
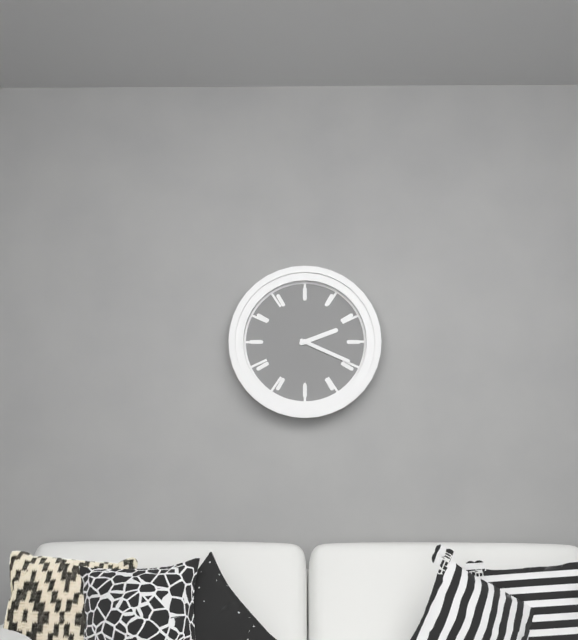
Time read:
2h19
